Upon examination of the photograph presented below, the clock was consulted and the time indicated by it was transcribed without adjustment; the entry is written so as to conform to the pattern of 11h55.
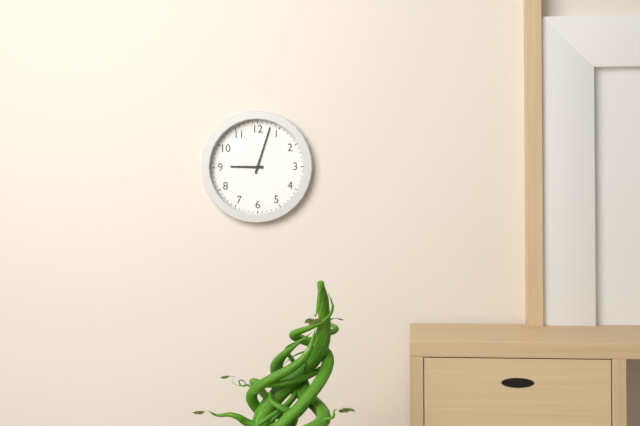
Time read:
9h03
